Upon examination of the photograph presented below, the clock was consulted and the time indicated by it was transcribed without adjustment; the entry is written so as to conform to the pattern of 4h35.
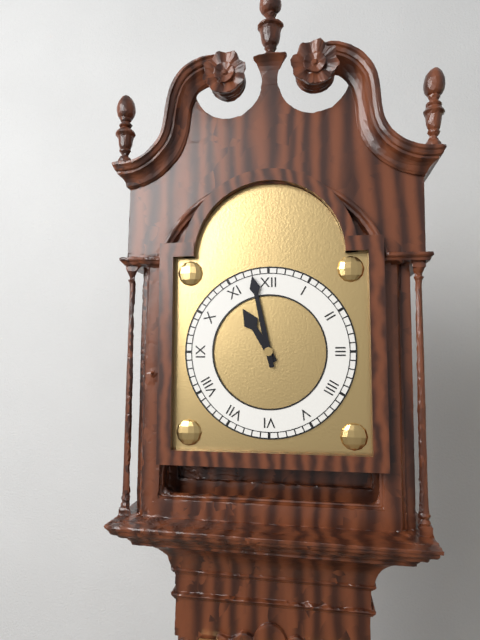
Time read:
10h58
